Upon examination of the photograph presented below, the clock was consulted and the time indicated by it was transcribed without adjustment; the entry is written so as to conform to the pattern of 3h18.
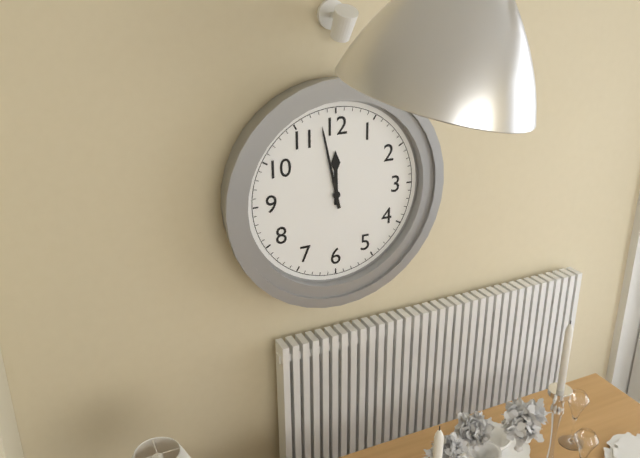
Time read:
11h58
